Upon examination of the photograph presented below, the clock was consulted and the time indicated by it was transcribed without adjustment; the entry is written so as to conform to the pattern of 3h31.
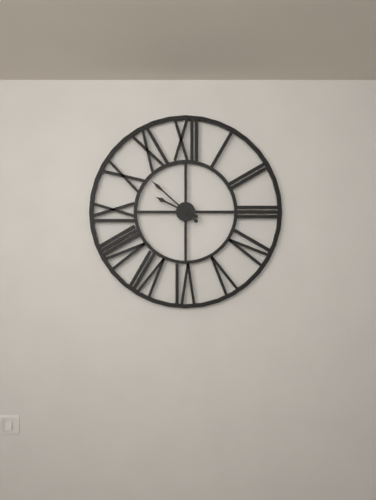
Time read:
9h52
